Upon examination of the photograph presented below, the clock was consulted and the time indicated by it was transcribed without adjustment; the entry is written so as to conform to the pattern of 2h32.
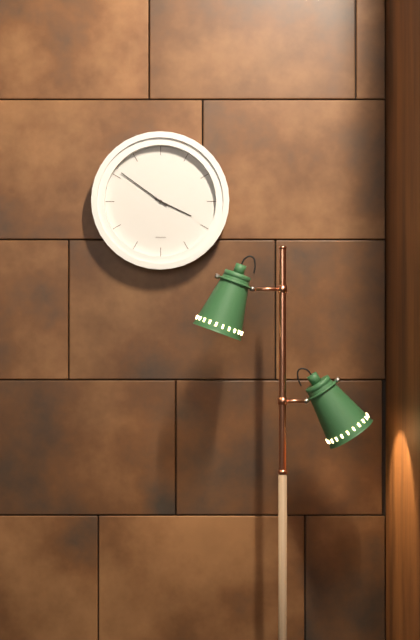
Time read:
3h51
